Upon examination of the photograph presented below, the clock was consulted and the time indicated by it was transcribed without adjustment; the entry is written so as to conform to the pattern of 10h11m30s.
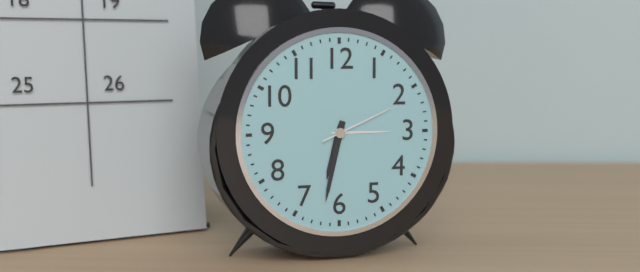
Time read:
6h32m11s
